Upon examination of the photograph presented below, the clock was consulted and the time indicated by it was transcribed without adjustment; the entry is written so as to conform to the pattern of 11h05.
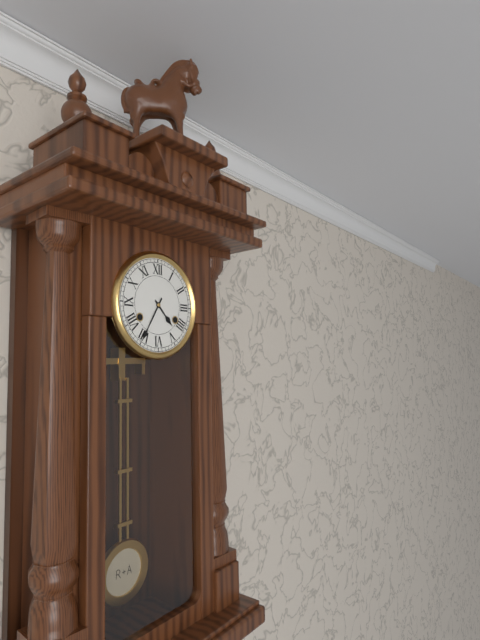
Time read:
4h35
